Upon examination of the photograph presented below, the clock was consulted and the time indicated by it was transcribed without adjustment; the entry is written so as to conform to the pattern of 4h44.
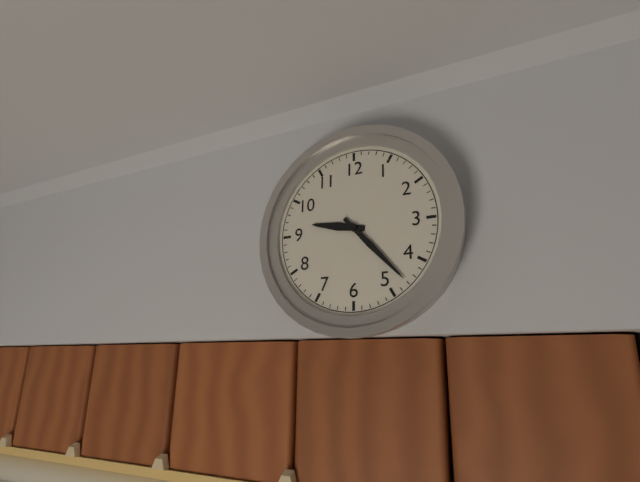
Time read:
9h23
